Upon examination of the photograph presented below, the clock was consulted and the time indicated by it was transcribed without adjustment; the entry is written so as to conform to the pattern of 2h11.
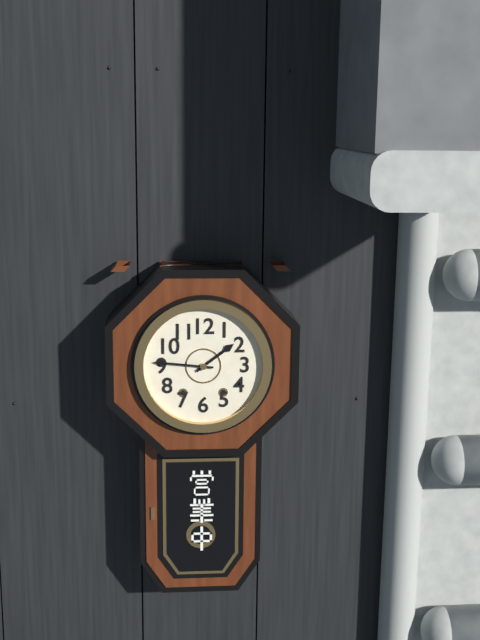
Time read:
1h46
